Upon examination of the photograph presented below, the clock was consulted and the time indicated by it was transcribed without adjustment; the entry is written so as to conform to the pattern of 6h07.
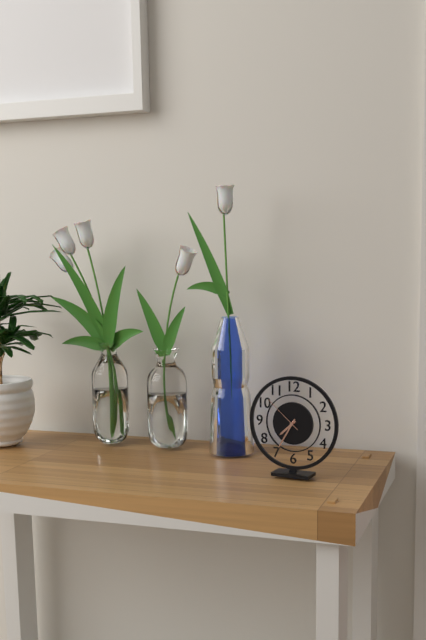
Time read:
7h35
